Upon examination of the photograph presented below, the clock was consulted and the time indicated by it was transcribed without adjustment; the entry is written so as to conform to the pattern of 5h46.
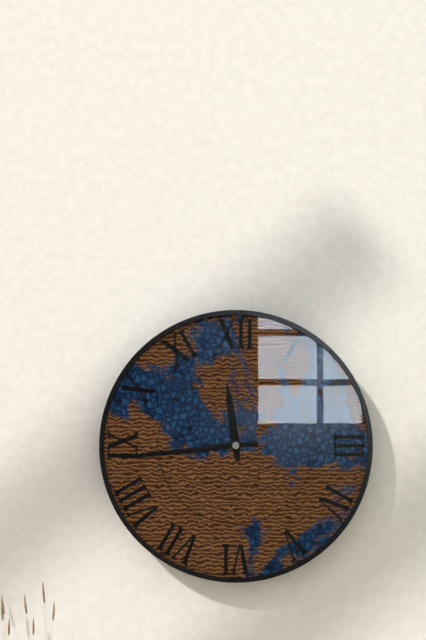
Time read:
11h44
